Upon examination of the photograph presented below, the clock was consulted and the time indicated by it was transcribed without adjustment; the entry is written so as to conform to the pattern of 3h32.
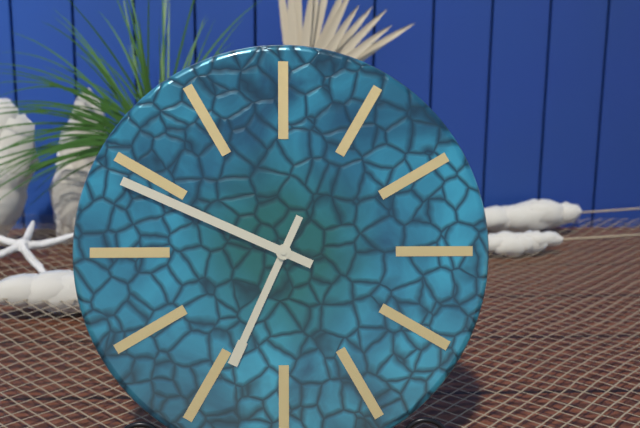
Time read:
6h49
